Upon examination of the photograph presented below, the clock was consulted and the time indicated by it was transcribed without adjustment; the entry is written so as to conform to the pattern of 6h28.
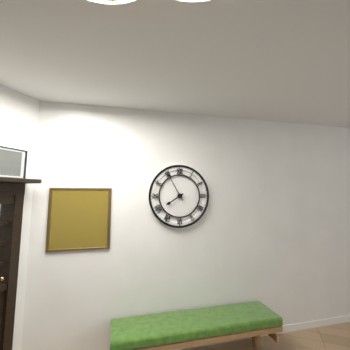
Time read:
7h55
